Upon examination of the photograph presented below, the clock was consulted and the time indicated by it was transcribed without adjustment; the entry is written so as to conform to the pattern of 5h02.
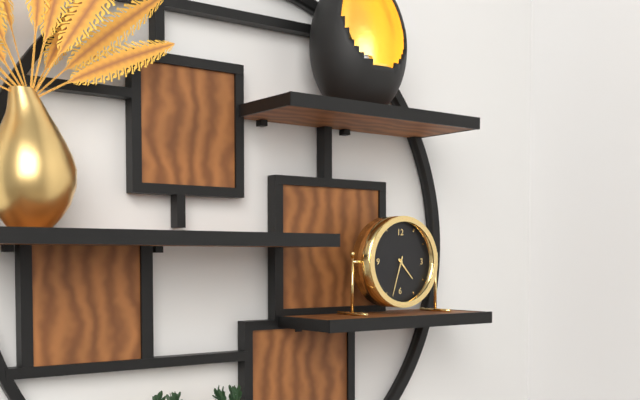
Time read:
4h33
